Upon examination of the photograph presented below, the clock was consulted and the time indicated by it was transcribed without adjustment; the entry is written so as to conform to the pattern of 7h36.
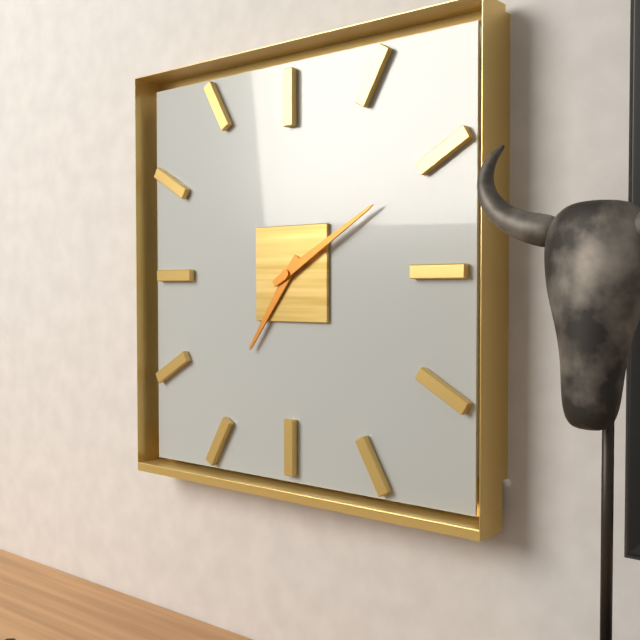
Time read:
7h10
